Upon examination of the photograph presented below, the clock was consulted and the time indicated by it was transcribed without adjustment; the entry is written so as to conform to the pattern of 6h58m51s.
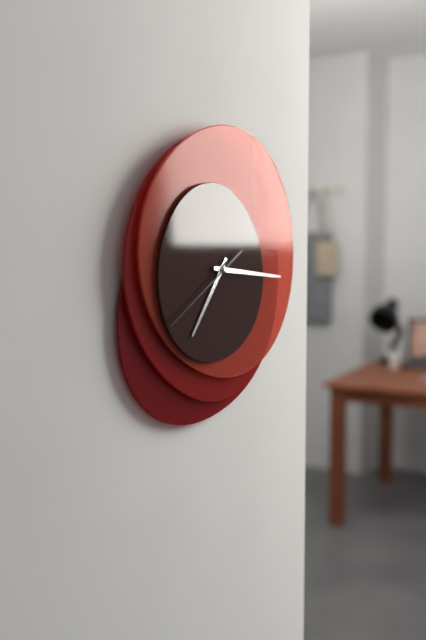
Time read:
7h16m40s
